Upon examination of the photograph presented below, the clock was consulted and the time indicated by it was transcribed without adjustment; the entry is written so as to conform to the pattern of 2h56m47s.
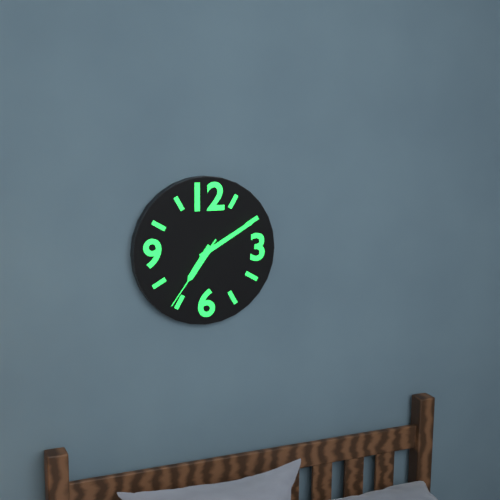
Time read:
7h10m36s
